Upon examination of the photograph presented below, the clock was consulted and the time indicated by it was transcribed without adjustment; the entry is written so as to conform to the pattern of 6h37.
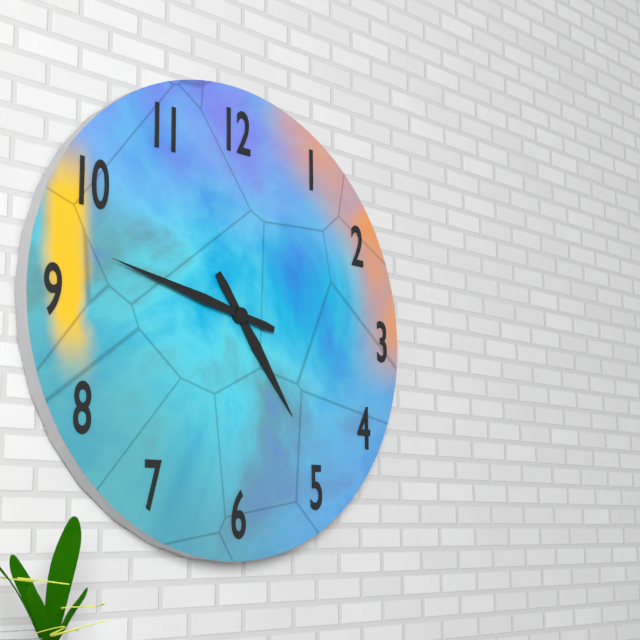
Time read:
4h47
